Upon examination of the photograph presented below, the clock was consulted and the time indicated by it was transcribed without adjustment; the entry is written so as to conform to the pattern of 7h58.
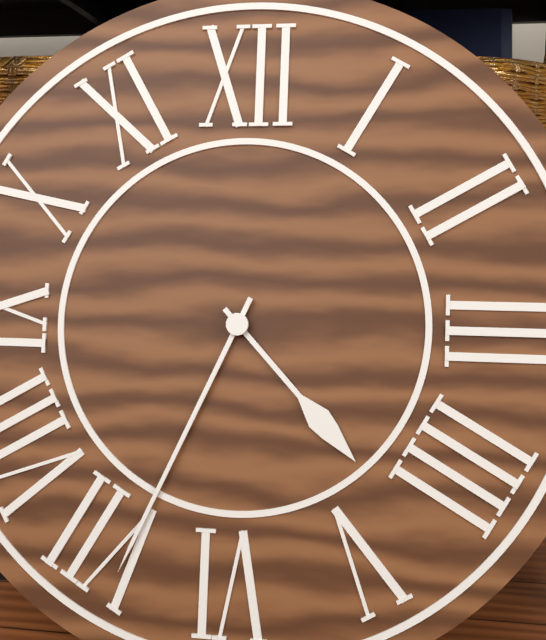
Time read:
4h34
